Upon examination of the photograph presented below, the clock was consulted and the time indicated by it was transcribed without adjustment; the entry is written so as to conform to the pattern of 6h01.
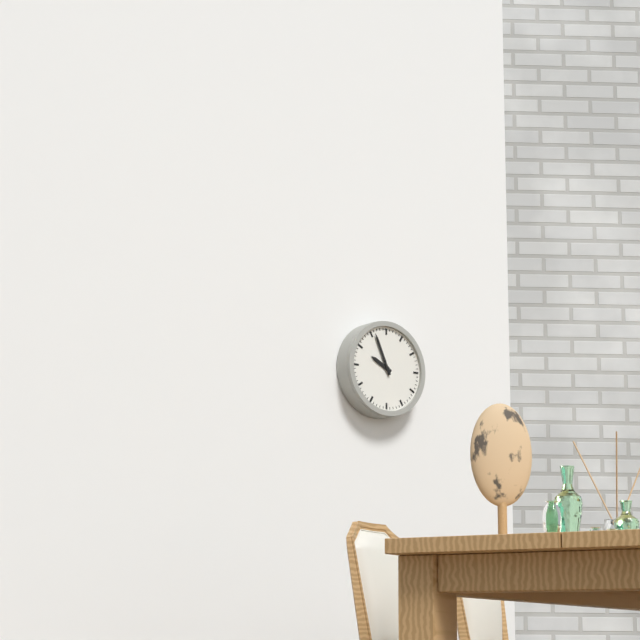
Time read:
9h56
